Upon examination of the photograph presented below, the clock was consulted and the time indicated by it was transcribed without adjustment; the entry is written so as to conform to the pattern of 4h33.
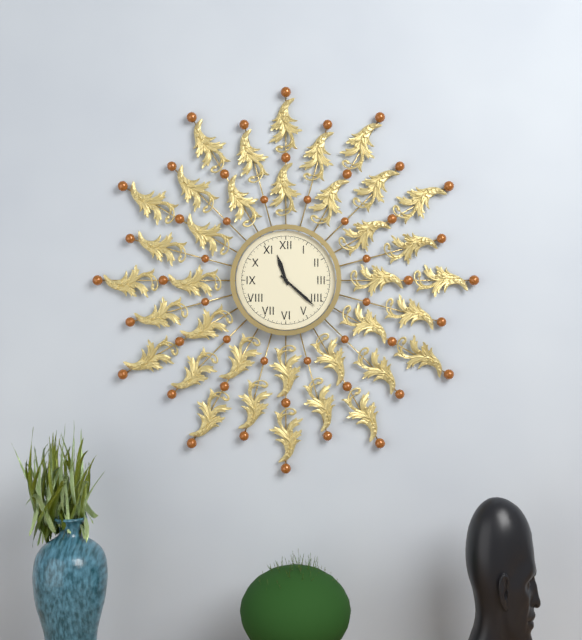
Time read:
11h22
